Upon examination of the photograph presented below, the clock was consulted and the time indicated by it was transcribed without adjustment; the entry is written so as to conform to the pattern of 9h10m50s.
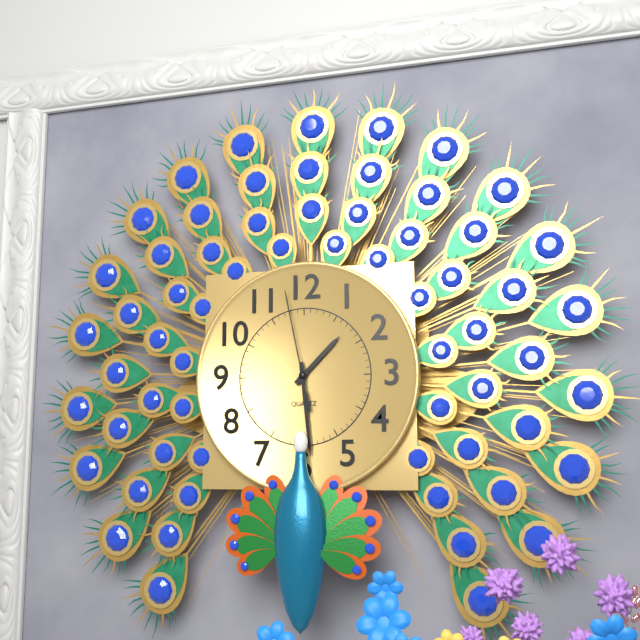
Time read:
1h29m58s
